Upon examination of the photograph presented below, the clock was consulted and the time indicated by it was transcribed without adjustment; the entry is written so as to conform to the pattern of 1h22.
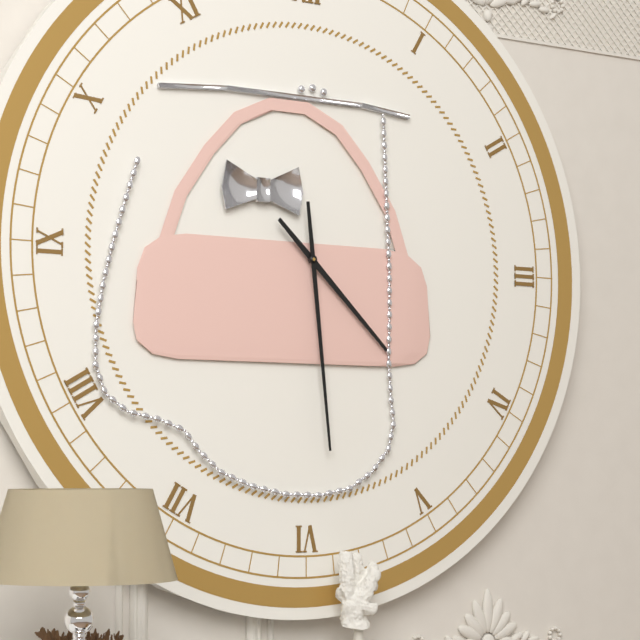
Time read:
4h29
